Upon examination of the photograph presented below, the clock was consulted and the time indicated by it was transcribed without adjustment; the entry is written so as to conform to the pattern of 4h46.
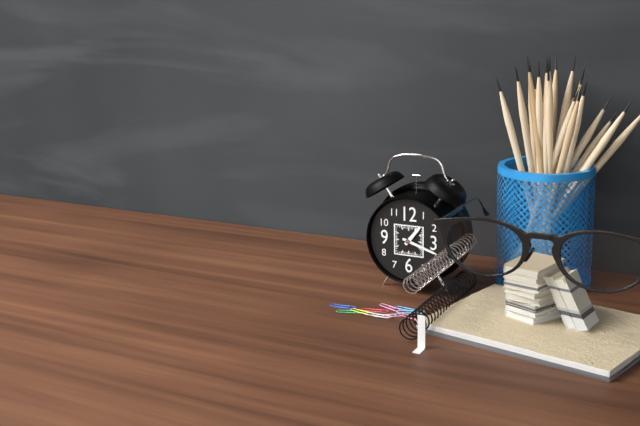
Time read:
1h18
